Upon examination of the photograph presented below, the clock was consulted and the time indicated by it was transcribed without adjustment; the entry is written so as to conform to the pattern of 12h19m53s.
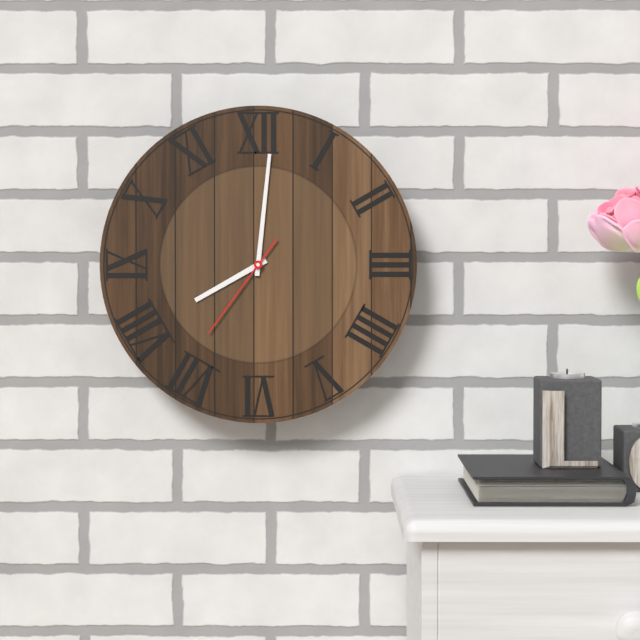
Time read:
8h01m36s
